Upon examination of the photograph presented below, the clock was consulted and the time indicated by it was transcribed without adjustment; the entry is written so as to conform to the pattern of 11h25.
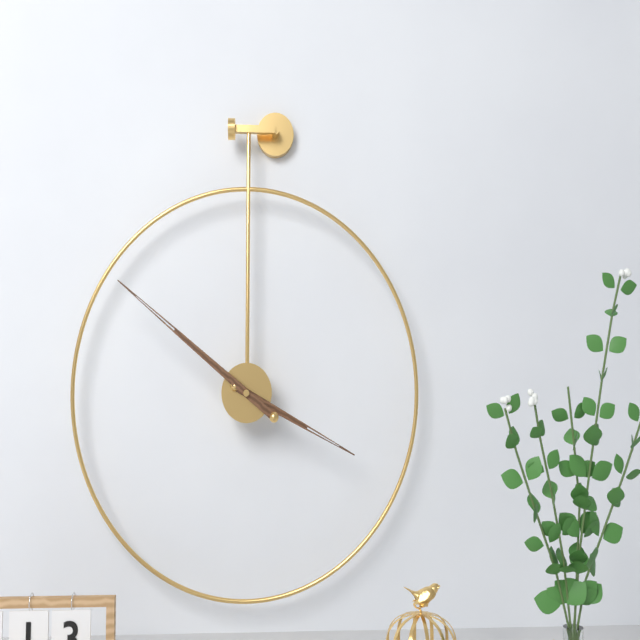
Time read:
3h51
